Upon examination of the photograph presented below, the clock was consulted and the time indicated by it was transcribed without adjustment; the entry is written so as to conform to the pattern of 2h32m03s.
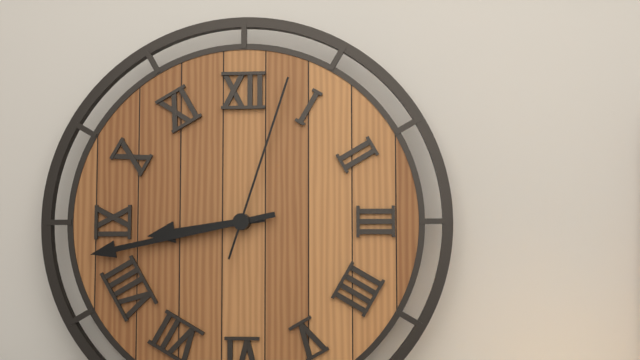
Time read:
8h43m03s
